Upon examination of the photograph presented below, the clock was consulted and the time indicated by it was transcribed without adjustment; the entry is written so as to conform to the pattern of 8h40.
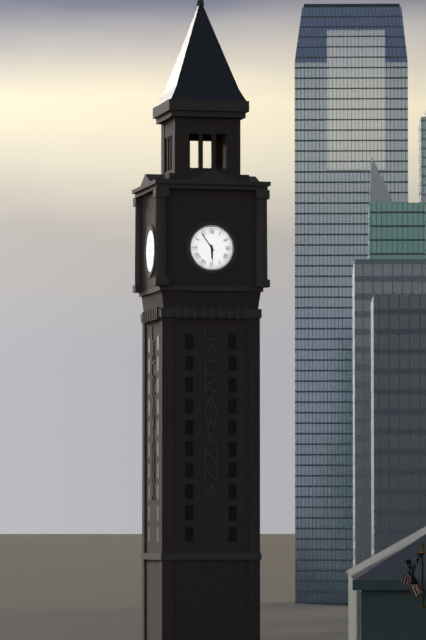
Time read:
5h54
